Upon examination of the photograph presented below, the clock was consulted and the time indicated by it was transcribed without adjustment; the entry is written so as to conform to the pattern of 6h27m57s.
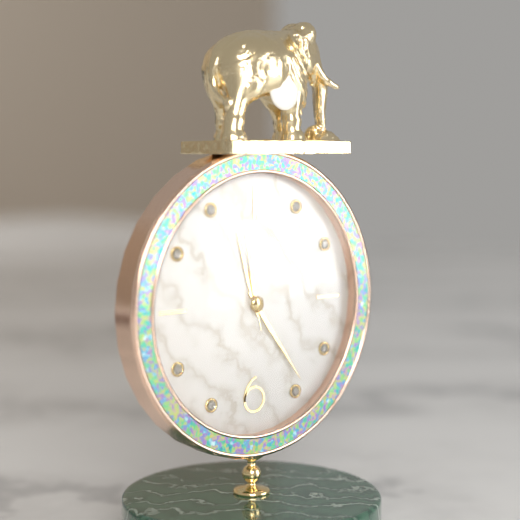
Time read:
11h24m58s
